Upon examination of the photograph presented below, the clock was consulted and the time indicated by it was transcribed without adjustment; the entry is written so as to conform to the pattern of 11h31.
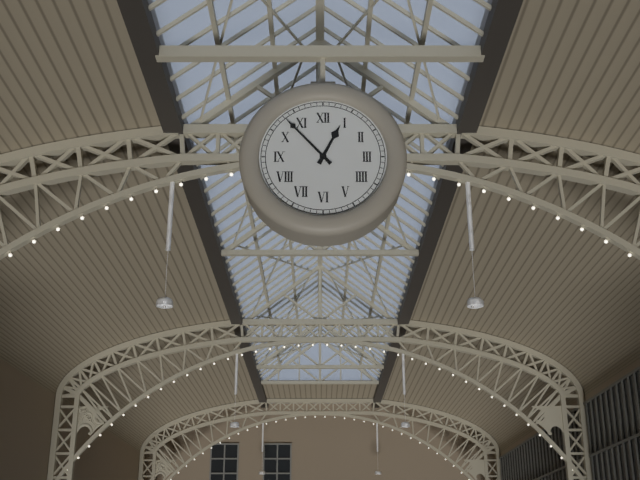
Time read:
12h53
